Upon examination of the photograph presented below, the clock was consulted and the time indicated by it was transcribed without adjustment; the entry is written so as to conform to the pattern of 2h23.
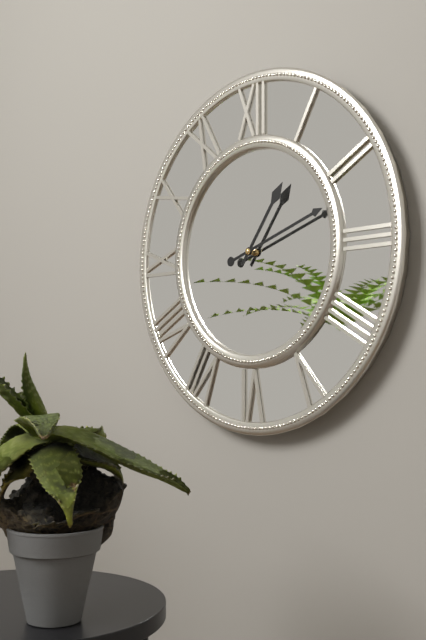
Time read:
1h12
